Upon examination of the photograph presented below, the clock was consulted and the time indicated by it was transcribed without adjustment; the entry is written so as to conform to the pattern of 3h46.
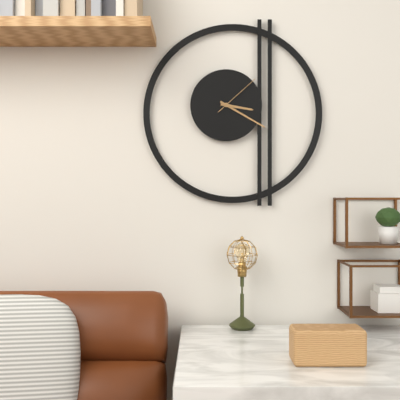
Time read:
3h20
